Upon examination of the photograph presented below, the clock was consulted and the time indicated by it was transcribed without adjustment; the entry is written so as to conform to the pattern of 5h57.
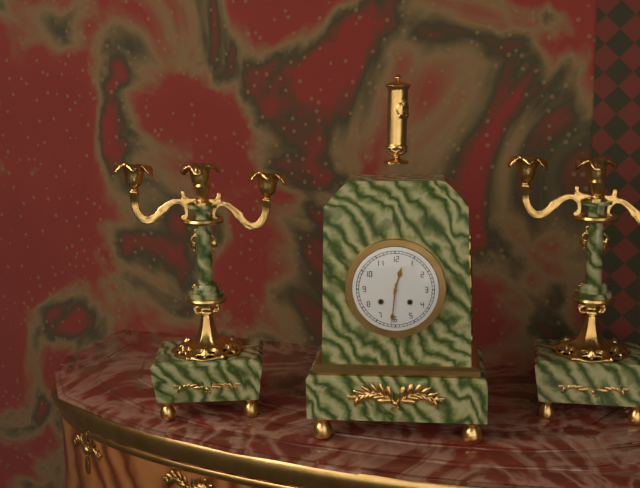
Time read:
12h31
